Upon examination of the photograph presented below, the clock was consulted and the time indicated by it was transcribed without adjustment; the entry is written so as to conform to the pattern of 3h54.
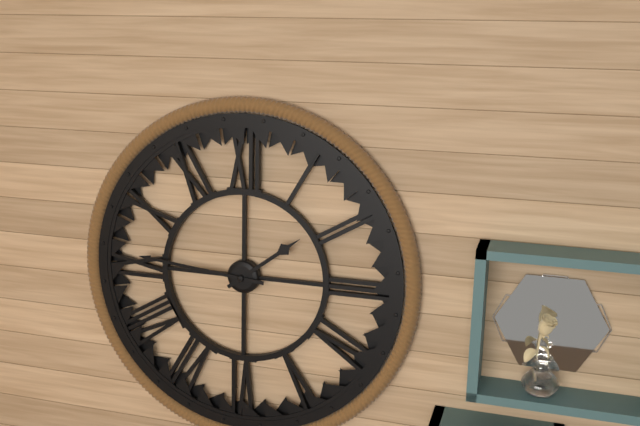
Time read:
1h46
